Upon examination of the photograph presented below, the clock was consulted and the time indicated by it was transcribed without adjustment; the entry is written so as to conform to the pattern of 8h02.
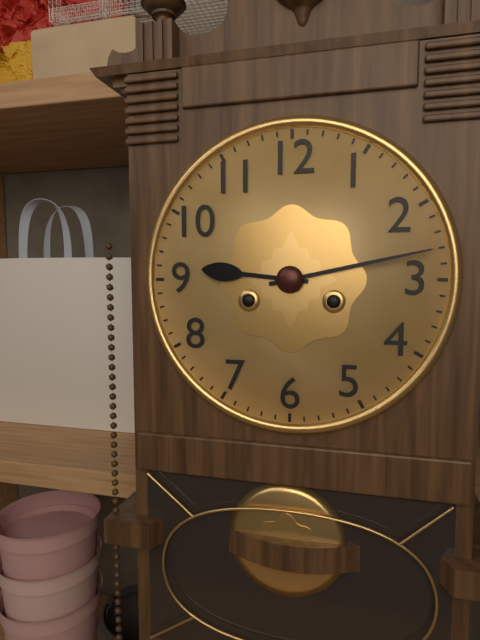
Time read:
9h13
